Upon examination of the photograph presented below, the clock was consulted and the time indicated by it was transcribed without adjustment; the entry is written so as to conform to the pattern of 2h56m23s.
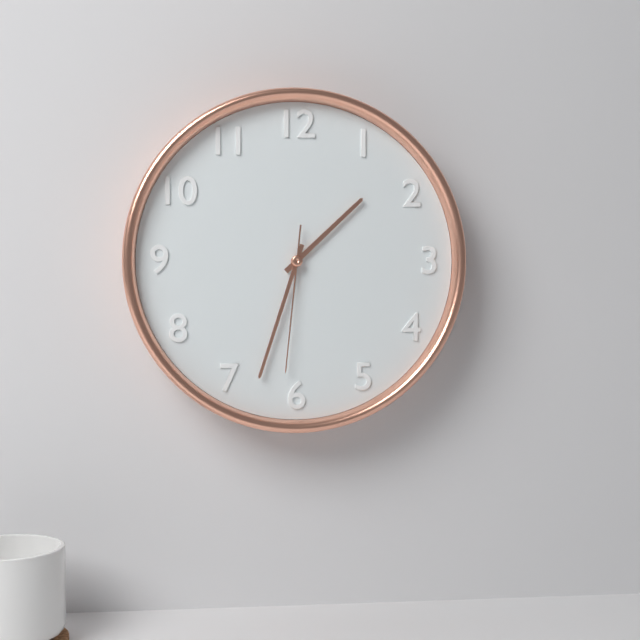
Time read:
1h33m31s
